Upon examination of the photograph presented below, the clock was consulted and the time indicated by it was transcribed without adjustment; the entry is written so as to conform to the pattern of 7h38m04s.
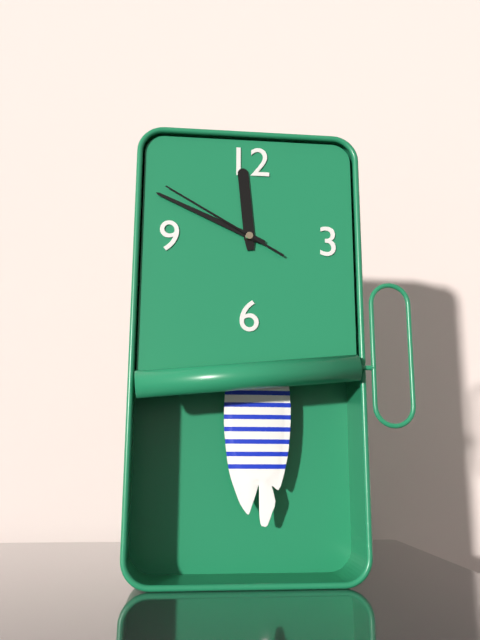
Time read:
11h49m50s
